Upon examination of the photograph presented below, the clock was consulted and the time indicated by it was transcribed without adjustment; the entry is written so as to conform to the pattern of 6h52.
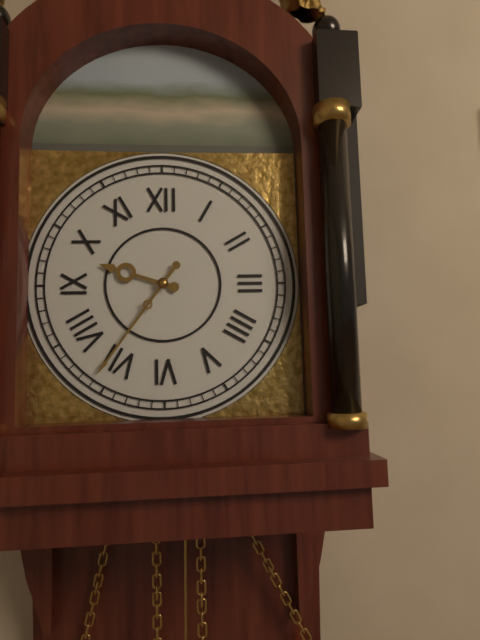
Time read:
9h36
